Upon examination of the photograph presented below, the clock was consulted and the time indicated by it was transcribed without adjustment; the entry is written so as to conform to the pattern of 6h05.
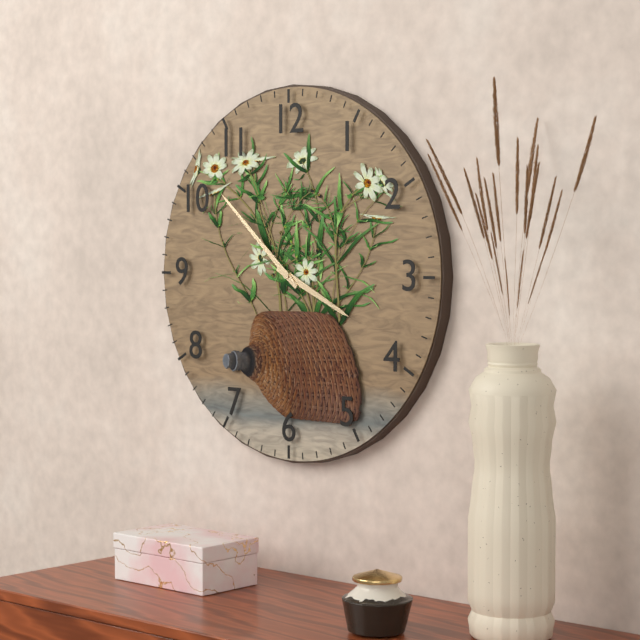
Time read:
3h52
